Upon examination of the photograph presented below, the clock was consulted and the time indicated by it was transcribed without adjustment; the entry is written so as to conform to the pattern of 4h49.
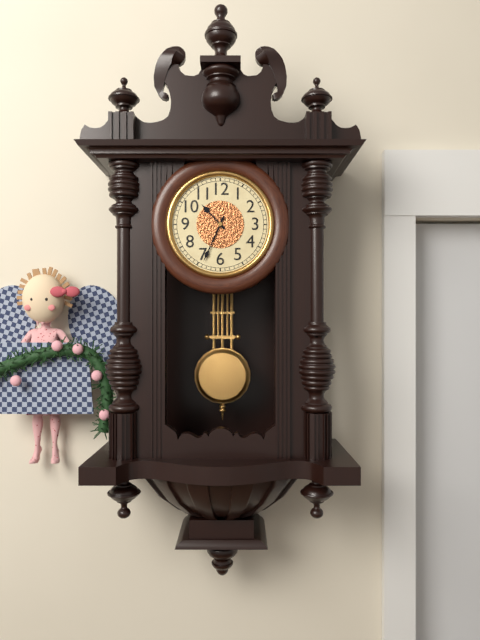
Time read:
10h34
